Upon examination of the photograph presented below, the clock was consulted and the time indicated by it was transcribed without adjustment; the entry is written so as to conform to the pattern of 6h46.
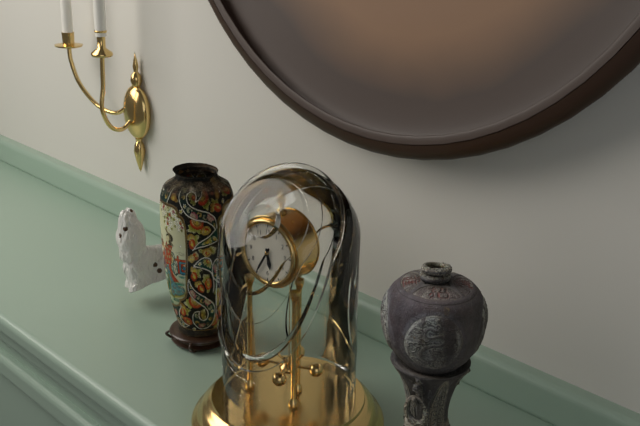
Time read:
5h35
